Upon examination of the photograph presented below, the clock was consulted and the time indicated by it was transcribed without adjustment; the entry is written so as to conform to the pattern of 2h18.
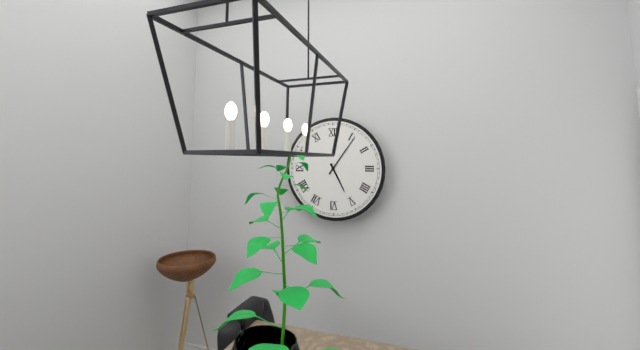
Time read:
5h06
